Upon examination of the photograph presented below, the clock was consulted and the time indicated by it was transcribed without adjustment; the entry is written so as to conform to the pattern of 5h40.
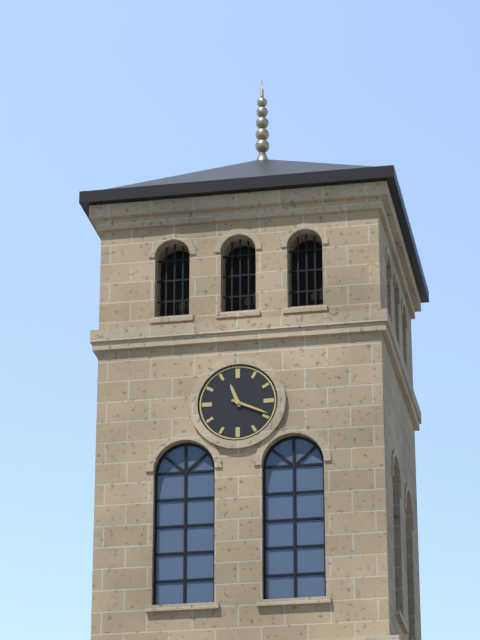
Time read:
11h19
